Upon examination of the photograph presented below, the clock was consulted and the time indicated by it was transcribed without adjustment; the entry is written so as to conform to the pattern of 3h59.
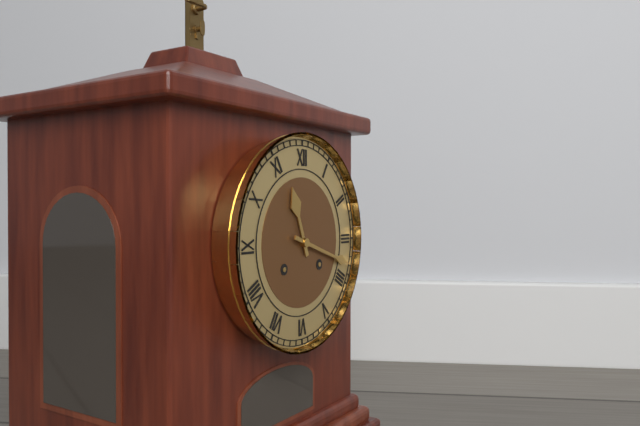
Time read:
11h18
